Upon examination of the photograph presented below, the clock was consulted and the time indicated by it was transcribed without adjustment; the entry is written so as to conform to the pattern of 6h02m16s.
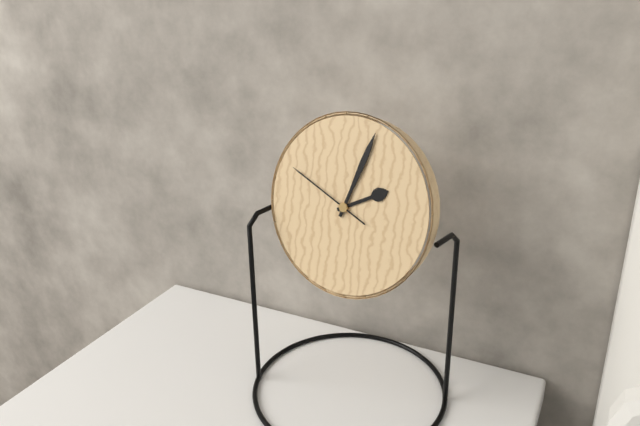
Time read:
2h03m49s
